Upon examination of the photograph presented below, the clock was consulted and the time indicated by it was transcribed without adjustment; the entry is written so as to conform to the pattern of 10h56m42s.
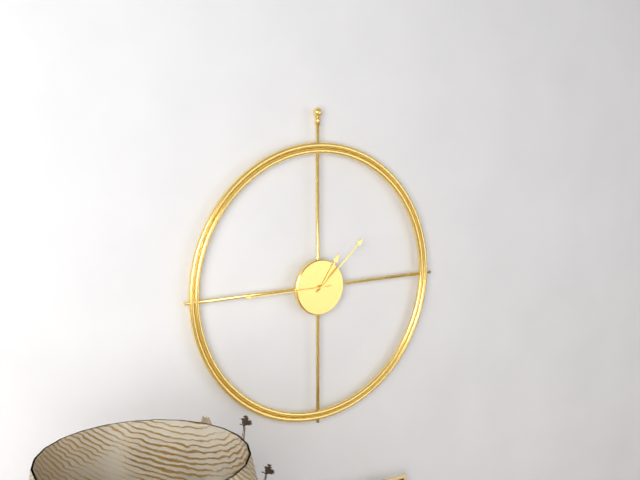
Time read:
1h08m45s
